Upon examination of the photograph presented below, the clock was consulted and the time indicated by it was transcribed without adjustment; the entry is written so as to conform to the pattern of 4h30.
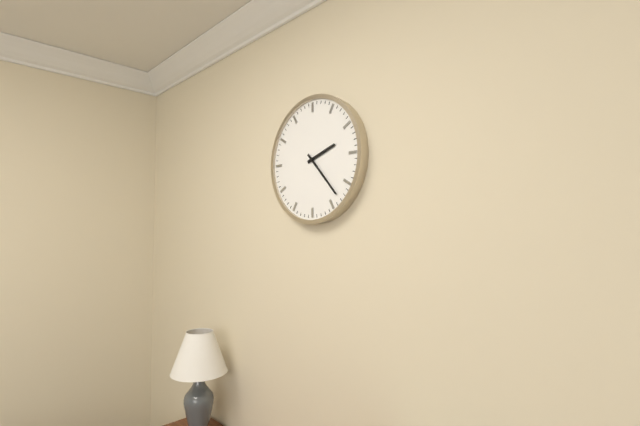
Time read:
2h23
